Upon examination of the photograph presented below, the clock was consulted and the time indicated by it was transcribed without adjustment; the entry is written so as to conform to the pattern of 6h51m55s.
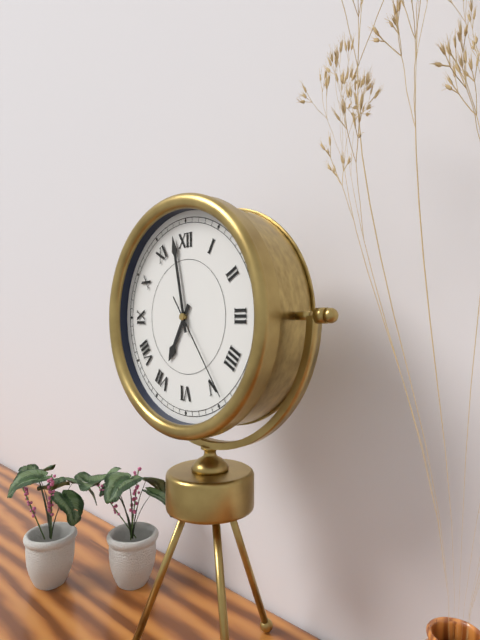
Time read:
6h58m24s
